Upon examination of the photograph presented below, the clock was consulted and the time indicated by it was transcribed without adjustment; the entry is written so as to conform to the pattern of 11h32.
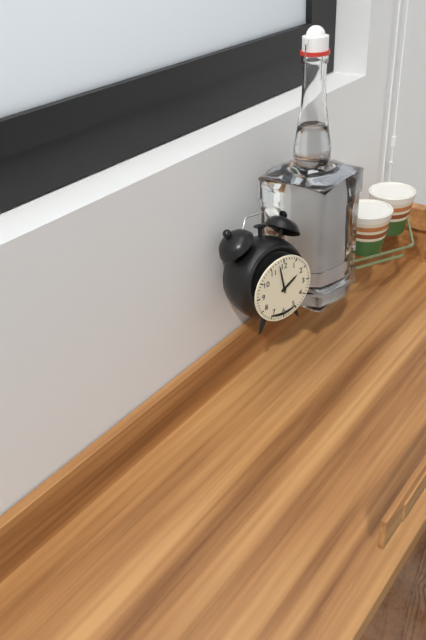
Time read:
1h58
